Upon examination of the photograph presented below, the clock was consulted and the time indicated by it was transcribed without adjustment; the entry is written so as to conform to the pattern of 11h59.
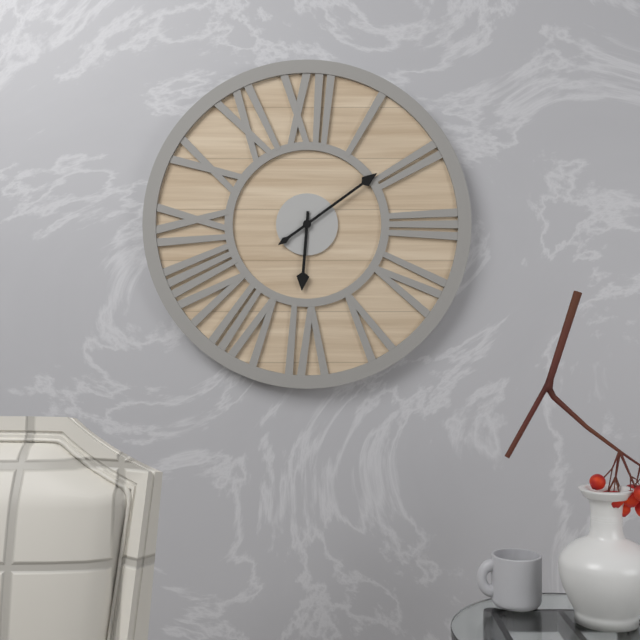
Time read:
6h09
